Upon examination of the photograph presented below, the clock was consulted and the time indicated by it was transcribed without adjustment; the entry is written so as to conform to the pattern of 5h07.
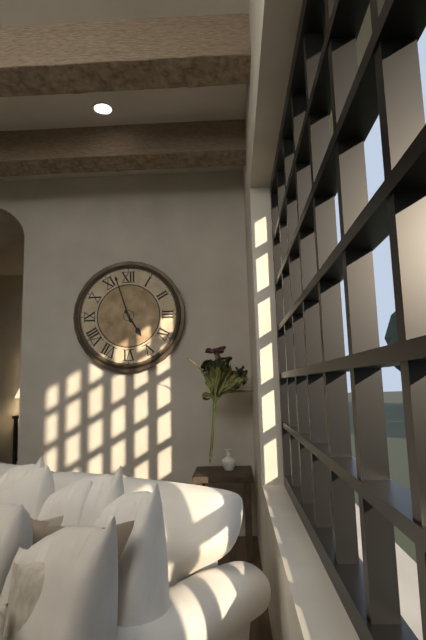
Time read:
4h57
